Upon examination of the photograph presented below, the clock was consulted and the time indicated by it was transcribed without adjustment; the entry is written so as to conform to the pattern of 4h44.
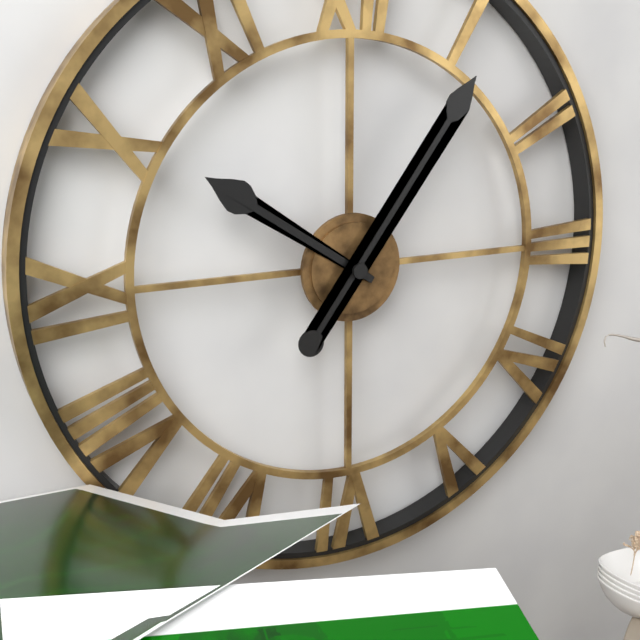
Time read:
10h06
